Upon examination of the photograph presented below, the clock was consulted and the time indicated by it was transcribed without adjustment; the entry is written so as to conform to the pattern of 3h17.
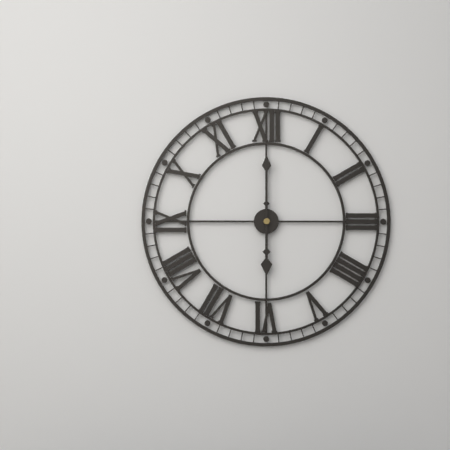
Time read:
6h00
